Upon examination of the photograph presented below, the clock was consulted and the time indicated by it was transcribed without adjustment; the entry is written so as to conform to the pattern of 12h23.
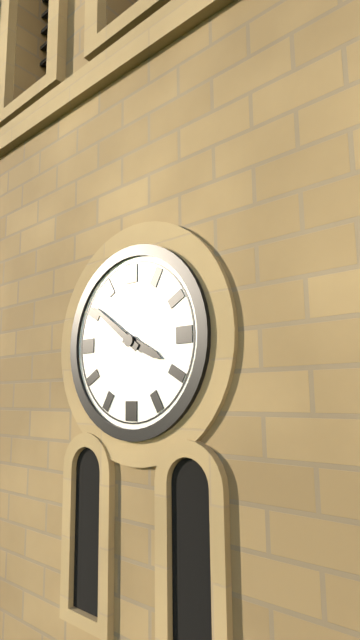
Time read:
3h51
